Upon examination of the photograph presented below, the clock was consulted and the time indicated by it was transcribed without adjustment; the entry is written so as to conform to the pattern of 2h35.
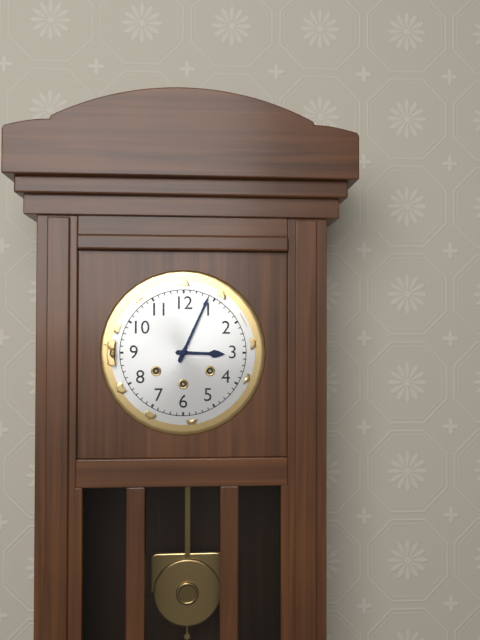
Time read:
3h04
